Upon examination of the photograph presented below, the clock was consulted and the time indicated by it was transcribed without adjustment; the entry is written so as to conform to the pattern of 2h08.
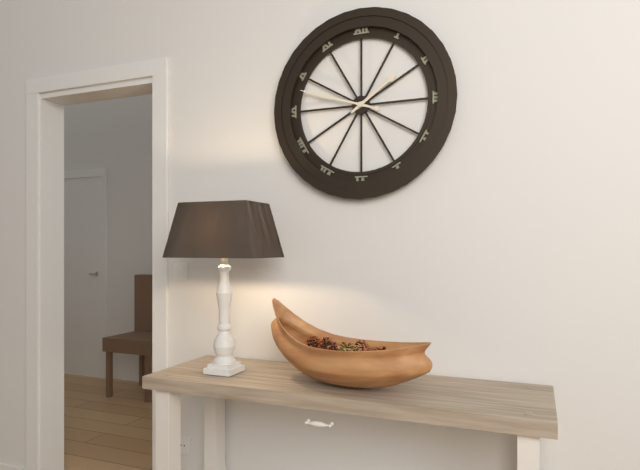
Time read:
1h48
